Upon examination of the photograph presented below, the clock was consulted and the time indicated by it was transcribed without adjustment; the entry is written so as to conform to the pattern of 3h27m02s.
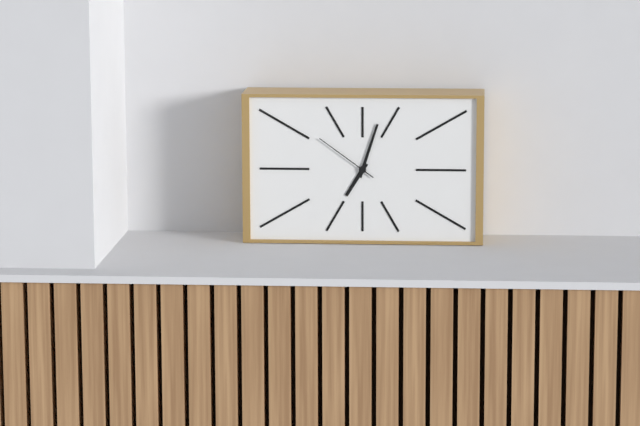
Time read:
7h03m51s
